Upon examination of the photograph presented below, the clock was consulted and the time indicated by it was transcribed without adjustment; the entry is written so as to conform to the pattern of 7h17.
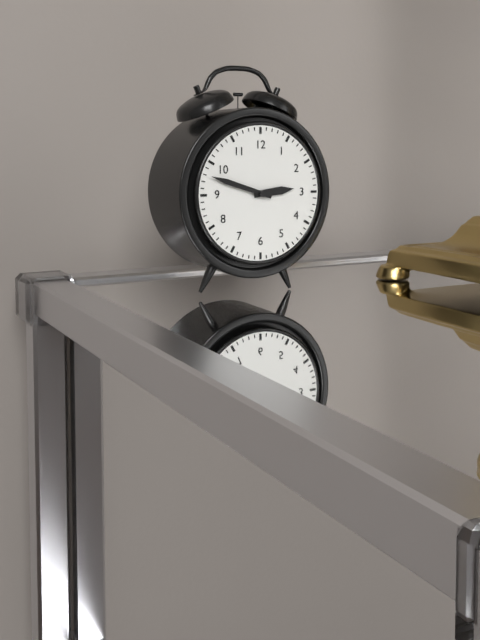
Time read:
2h48
